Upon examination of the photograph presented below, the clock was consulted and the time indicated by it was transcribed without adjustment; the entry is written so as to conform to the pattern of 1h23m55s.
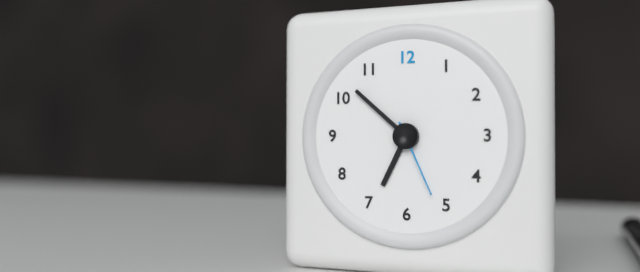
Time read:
6h52m26s
